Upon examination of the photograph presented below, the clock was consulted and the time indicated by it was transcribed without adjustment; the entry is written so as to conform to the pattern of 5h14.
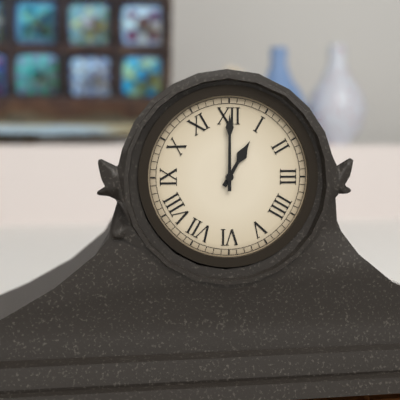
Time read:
1h00
